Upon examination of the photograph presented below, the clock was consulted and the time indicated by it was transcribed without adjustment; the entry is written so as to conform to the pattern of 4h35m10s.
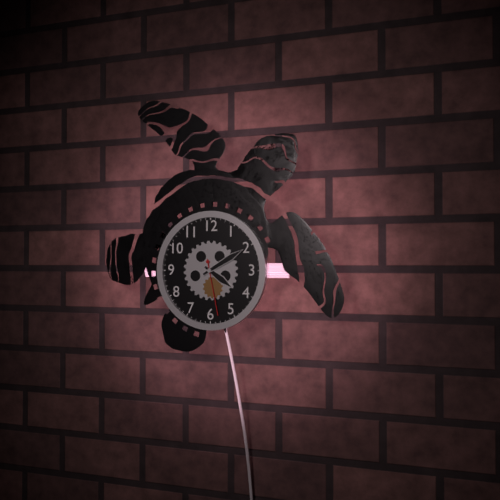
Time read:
4h10m28s
